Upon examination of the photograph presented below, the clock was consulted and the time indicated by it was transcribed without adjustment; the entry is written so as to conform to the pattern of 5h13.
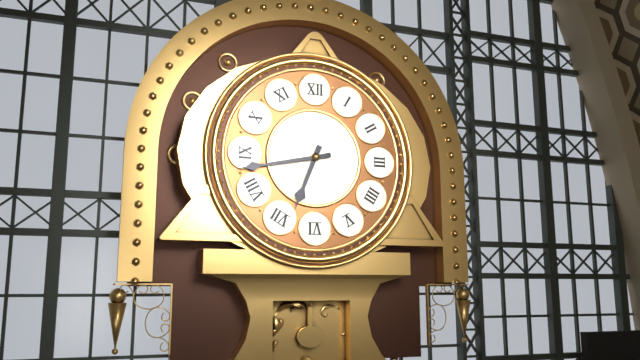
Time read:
6h43
